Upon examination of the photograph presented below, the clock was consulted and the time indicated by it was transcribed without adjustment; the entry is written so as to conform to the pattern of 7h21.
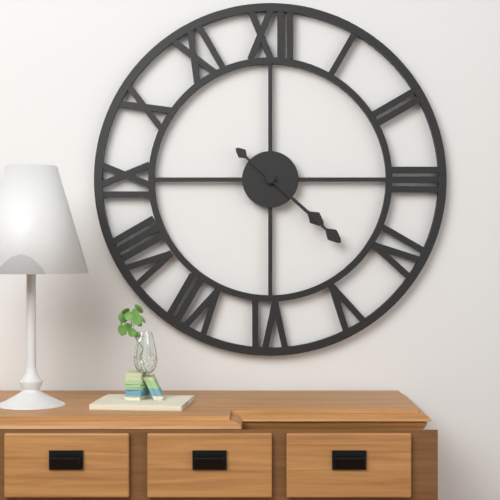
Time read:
4h22
